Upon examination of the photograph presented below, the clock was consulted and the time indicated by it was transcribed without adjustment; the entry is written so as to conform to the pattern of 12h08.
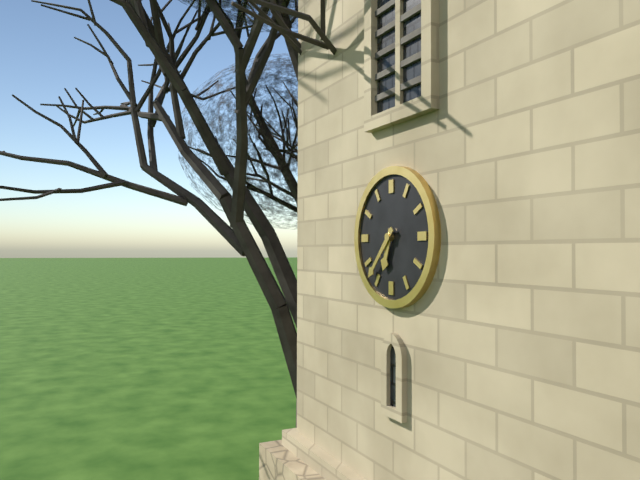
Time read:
6h37
